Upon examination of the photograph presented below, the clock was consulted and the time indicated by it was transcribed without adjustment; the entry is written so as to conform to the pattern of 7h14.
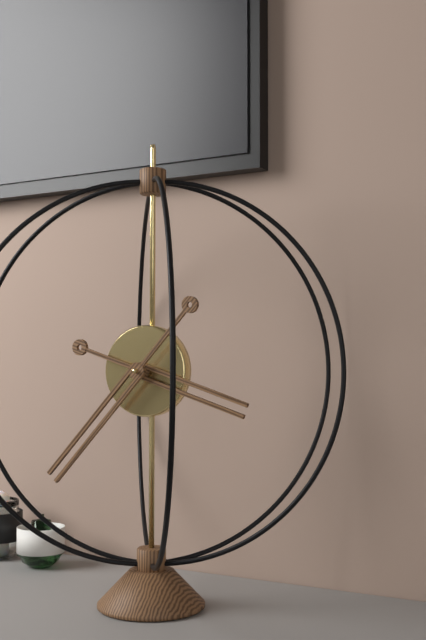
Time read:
3h37
